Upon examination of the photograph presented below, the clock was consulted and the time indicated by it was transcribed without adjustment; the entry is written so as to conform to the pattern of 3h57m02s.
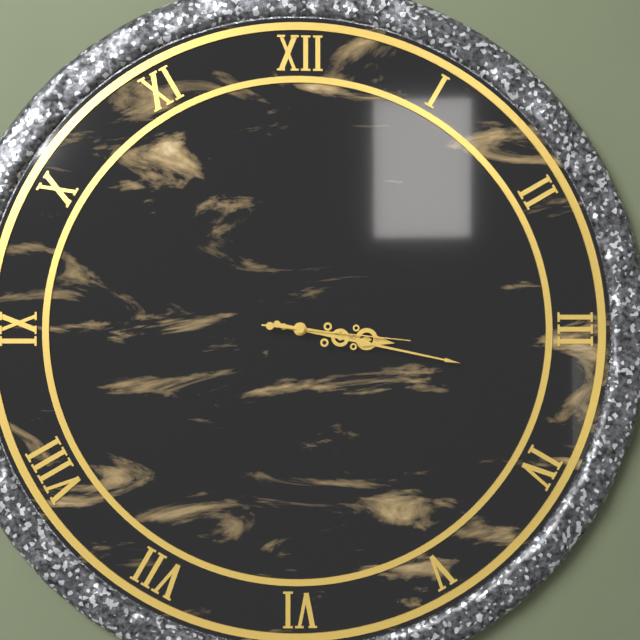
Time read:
3h17m16s
